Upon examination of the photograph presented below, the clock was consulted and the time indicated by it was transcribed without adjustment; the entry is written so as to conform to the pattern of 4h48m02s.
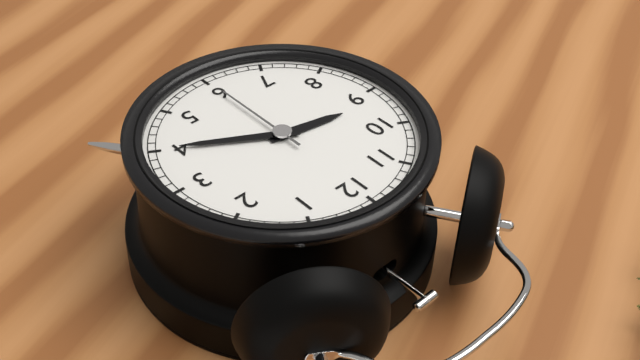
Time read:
9h20m30s
